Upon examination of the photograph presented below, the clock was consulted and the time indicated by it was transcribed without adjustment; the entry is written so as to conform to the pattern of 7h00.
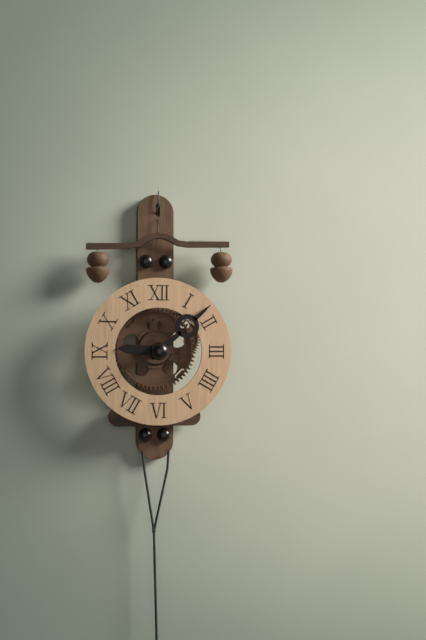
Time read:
9h08
